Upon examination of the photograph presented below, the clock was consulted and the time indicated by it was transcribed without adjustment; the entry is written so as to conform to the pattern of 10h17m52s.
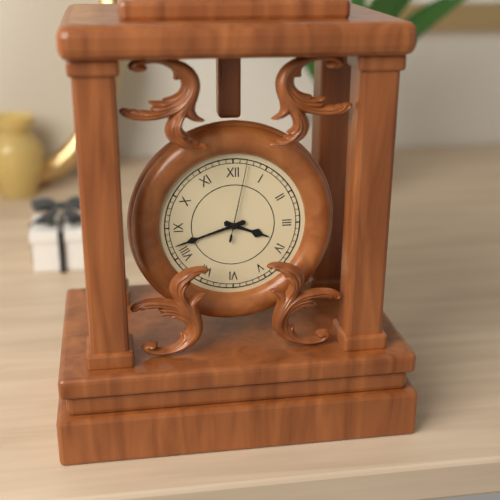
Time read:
3h42m02s
